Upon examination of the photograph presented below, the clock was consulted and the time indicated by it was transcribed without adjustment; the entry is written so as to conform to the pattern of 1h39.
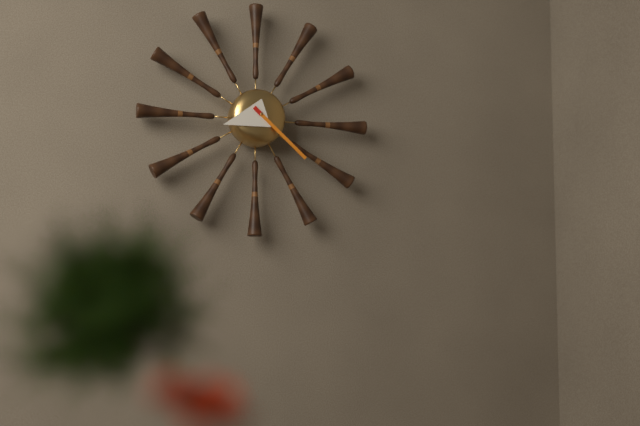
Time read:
8h22
